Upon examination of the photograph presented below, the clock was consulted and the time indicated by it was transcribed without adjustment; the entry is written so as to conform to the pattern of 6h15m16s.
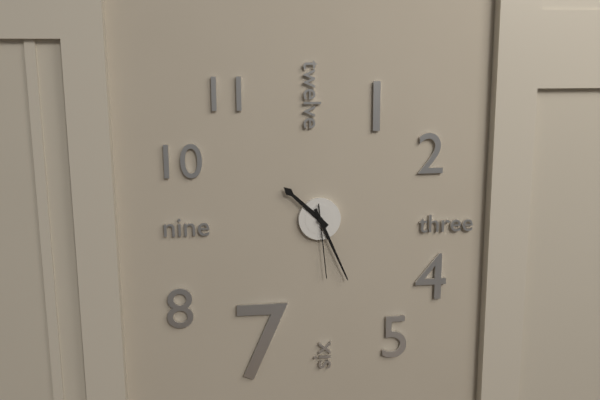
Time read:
10h26m29s
